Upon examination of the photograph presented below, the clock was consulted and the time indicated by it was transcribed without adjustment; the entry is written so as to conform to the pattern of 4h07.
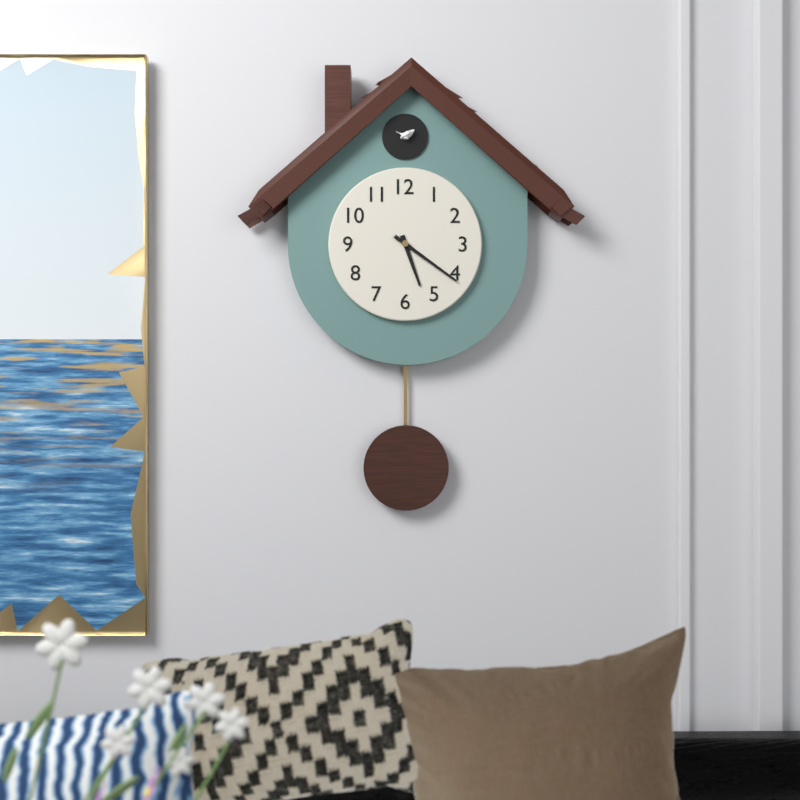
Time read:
5h21
